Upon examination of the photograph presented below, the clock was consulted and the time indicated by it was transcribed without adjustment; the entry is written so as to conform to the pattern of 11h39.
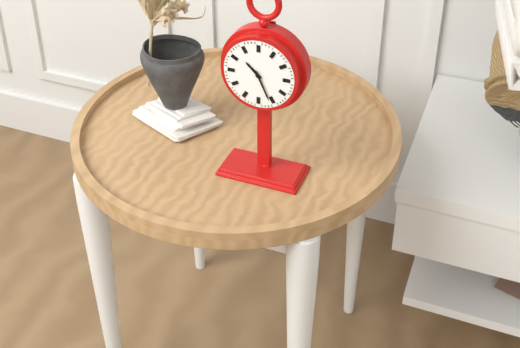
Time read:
10h26
